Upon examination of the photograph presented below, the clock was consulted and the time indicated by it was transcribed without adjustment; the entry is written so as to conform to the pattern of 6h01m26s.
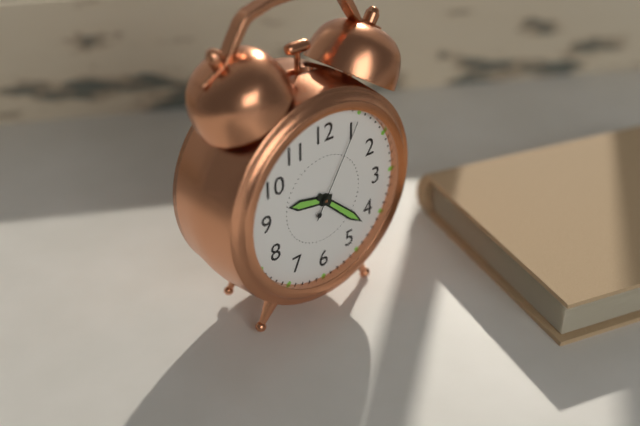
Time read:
9h22m05s
